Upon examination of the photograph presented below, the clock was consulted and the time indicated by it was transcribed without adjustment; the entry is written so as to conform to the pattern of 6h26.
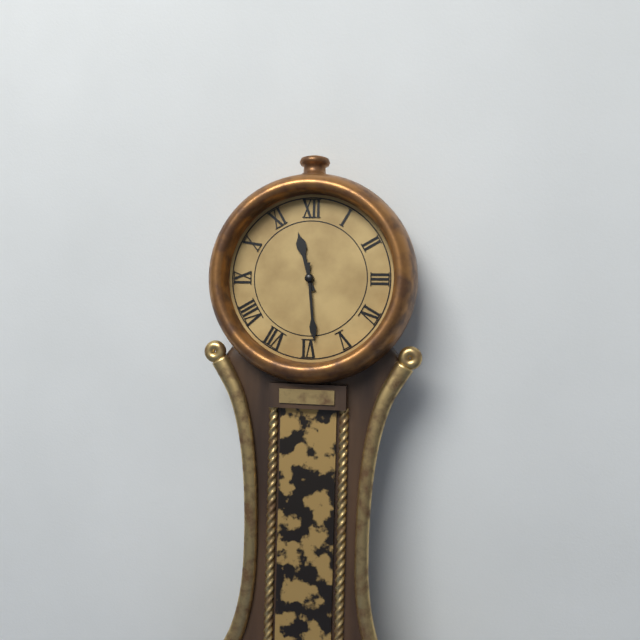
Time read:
11h29
